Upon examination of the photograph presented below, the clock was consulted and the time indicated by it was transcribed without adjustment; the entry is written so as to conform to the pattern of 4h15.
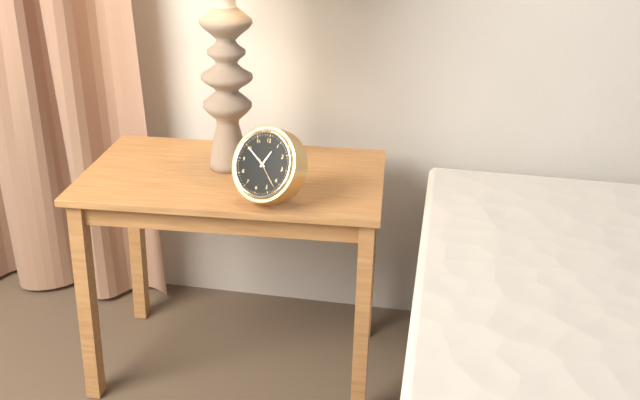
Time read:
12h50
